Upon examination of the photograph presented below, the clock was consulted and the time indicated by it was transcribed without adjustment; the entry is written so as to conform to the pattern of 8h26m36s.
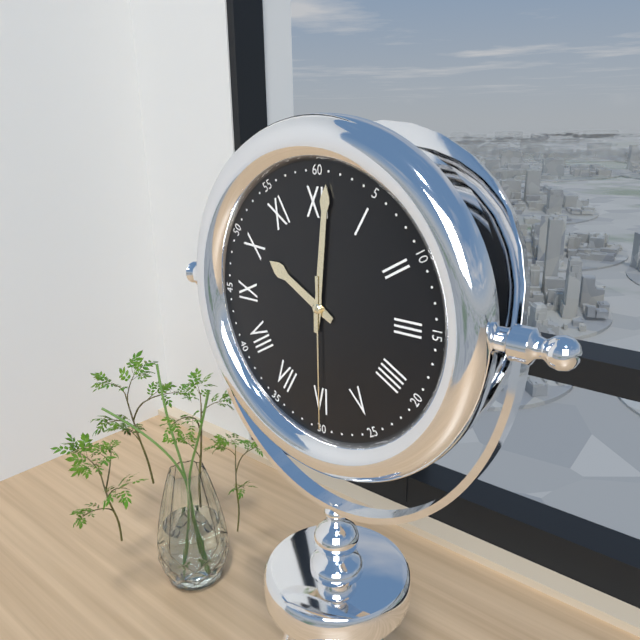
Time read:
10h01m30s
